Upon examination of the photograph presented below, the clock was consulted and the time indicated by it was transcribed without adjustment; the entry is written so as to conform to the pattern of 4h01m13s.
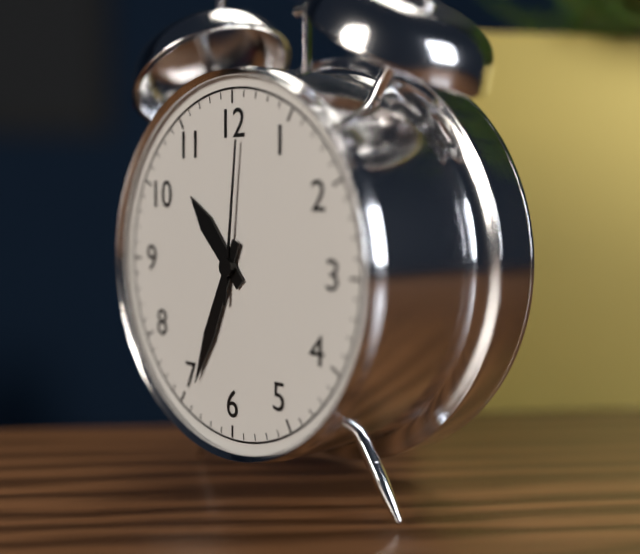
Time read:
10h34m01s
